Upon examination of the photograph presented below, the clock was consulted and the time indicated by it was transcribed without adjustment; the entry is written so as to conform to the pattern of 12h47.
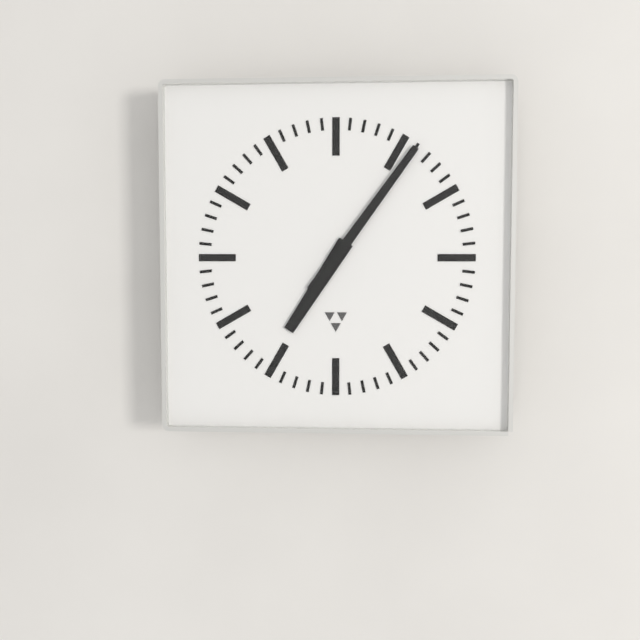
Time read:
7h06
